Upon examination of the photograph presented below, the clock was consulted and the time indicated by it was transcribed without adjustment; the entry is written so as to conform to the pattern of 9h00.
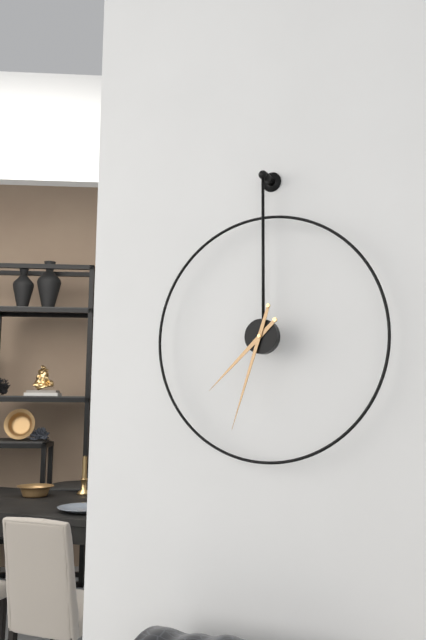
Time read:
7h33
